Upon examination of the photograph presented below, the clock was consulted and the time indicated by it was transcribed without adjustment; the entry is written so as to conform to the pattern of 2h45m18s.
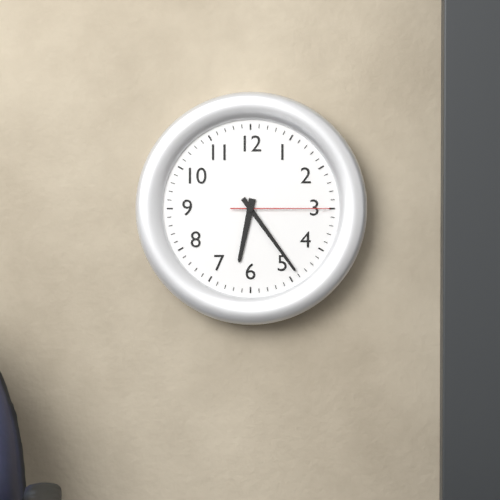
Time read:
6h24m15s
